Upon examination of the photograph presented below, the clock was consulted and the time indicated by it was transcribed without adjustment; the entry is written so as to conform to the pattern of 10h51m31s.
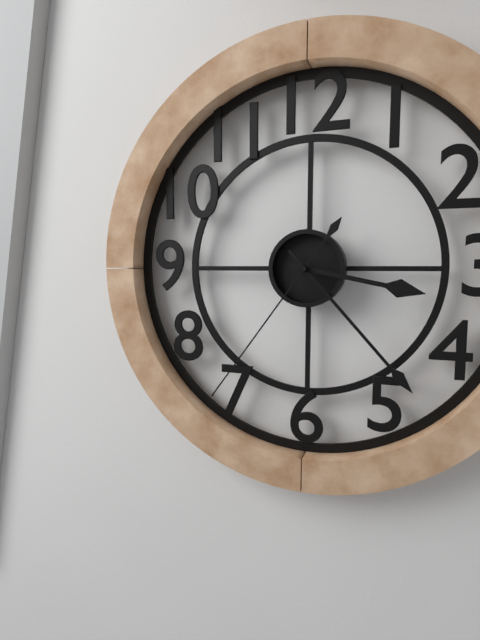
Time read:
3h23m36s
